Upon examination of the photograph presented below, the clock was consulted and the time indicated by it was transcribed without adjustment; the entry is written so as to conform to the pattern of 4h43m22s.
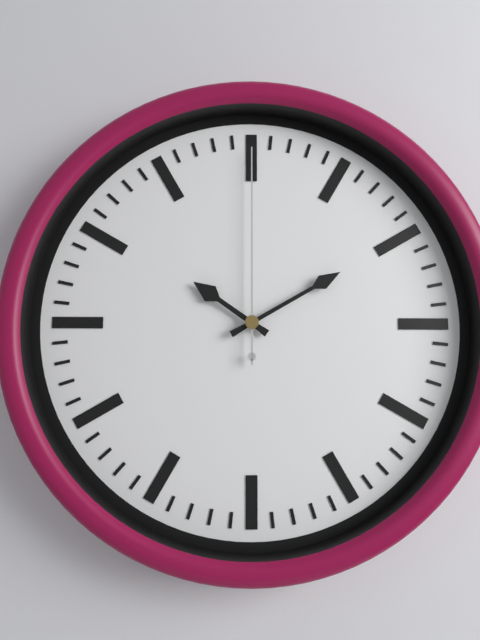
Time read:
10h10m00s
